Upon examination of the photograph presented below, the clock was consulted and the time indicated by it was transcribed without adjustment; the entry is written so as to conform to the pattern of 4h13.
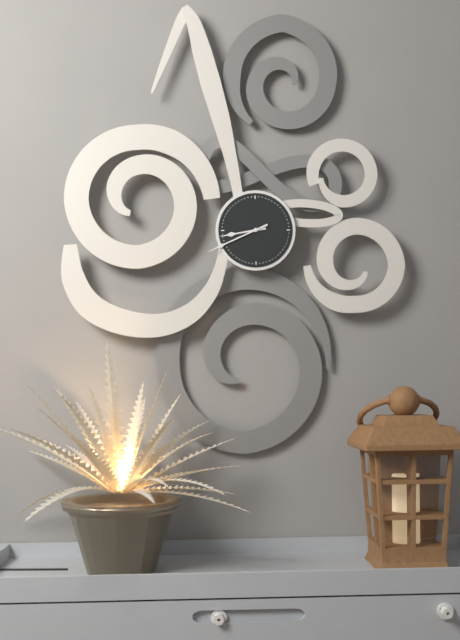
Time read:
8h41
